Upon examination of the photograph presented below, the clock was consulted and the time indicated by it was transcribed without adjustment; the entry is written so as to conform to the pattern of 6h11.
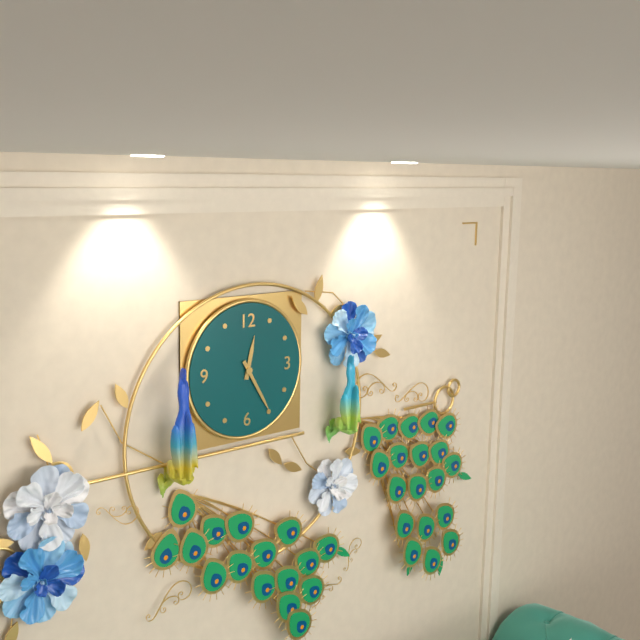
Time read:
12h25
